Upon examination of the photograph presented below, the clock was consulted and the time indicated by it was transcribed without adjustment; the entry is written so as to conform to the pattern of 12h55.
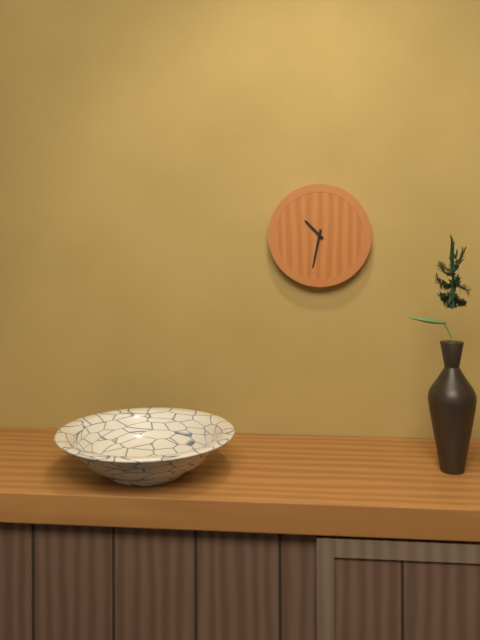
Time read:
10h32
